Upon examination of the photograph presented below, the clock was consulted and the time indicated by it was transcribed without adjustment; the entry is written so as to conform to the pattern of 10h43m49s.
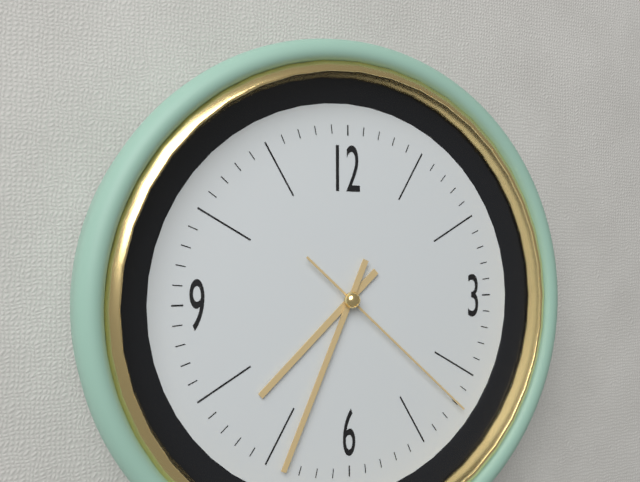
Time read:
7h34m22s
